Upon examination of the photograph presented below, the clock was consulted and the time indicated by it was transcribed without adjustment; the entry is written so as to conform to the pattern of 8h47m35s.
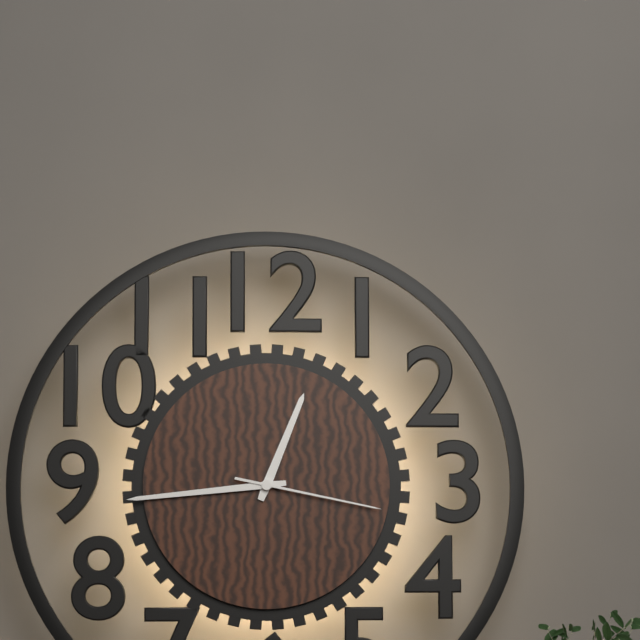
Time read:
12h44m17s
